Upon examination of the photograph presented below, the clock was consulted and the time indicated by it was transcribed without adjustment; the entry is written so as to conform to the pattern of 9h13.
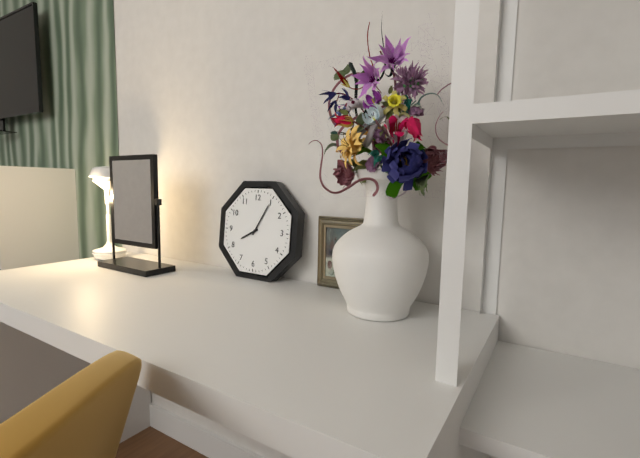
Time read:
8h05
